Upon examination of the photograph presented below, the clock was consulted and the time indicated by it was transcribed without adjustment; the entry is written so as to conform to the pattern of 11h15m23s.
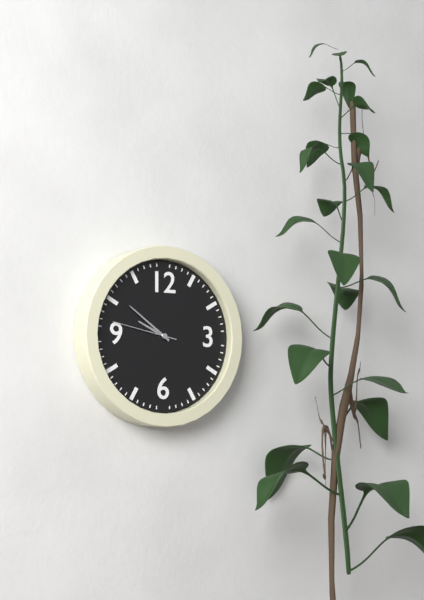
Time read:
9h51m47s
